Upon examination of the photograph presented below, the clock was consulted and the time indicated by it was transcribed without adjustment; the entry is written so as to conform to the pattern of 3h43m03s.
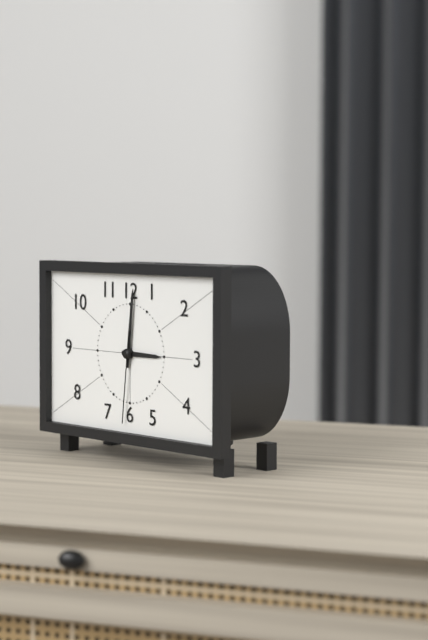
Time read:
3h01m31s
